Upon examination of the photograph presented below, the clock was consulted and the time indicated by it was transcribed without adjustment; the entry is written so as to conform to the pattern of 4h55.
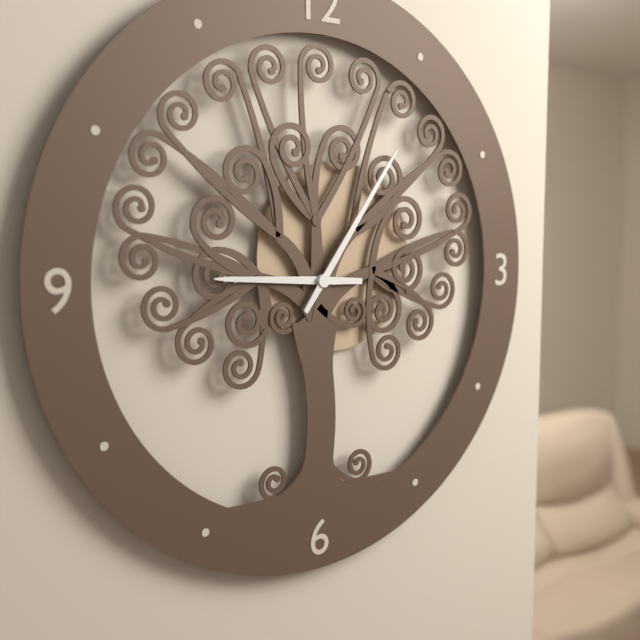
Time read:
9h06
